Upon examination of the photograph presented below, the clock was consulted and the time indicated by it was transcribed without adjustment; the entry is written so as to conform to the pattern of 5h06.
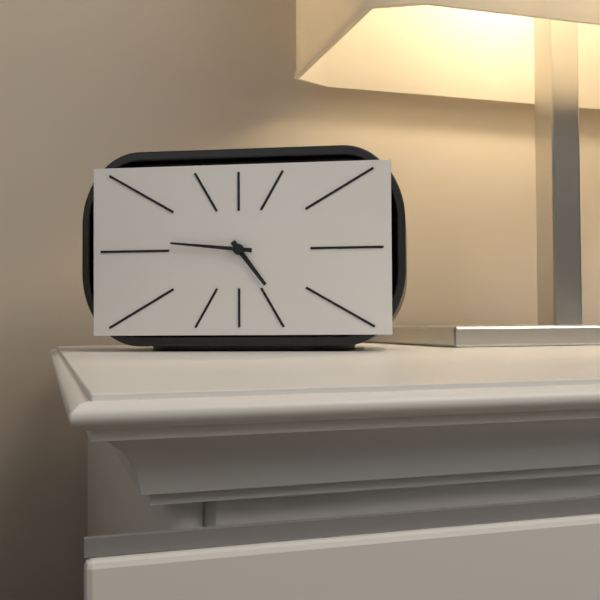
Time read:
4h46
